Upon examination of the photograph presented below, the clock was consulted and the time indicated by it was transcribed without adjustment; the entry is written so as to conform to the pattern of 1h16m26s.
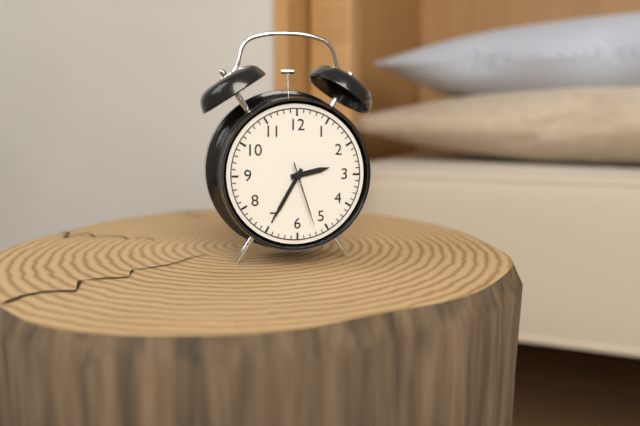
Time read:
2h35m27s
